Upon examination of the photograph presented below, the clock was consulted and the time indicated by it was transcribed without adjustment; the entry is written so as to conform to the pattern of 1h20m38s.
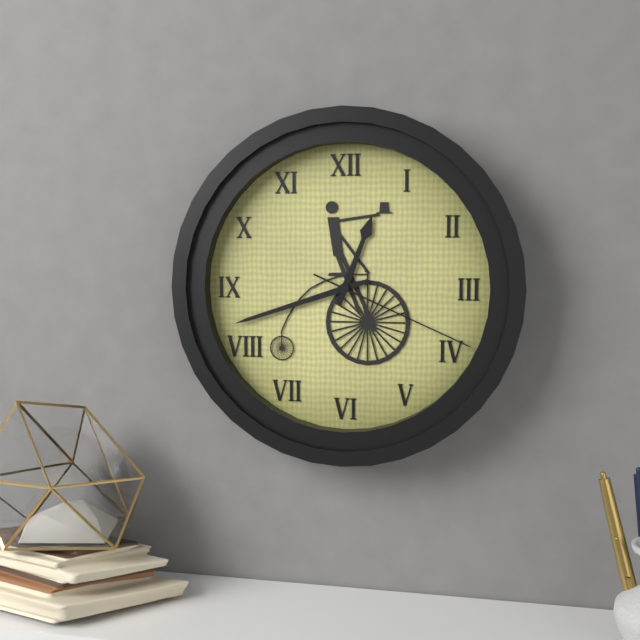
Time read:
12h42m19s
